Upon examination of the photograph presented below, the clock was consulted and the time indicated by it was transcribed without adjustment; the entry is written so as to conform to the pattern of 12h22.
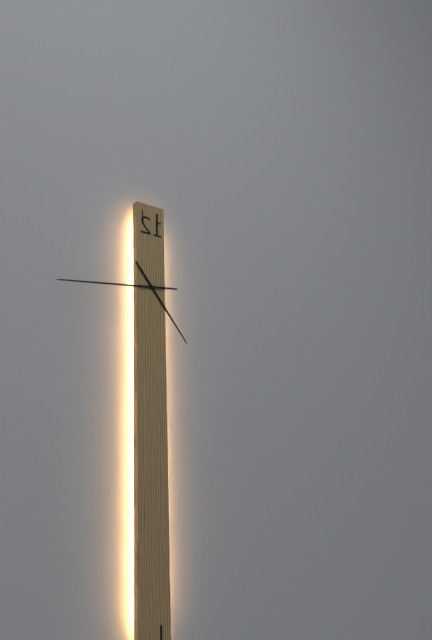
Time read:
4h44
